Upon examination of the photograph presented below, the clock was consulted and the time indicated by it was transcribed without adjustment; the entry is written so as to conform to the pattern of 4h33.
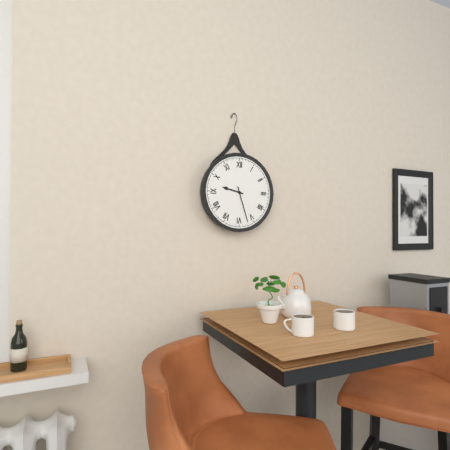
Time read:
9h27
